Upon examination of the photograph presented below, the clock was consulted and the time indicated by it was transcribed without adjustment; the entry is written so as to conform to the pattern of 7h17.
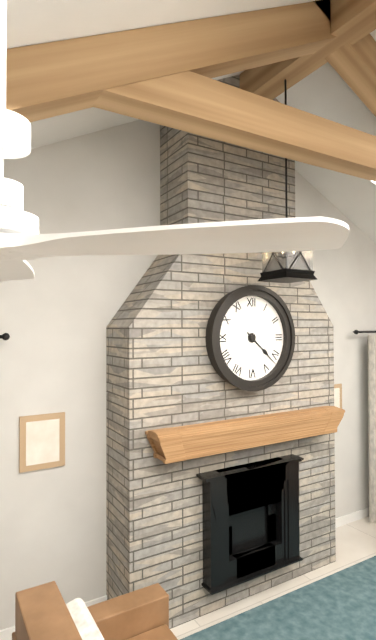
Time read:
4h22
